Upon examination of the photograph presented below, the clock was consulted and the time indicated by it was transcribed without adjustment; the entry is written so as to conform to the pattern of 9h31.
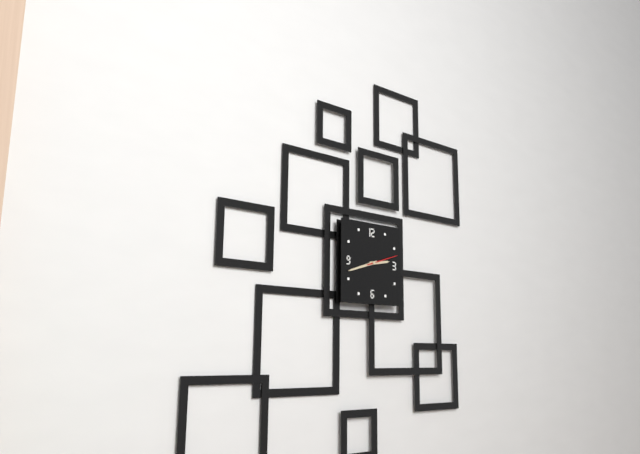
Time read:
2h42
